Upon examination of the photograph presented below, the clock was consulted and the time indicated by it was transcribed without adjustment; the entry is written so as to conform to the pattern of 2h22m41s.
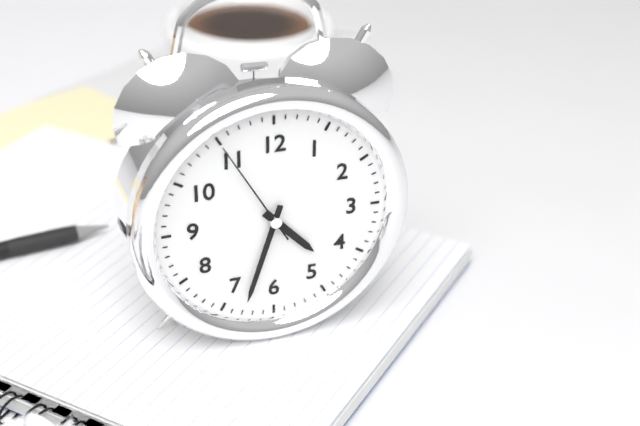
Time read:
4h33m55s
